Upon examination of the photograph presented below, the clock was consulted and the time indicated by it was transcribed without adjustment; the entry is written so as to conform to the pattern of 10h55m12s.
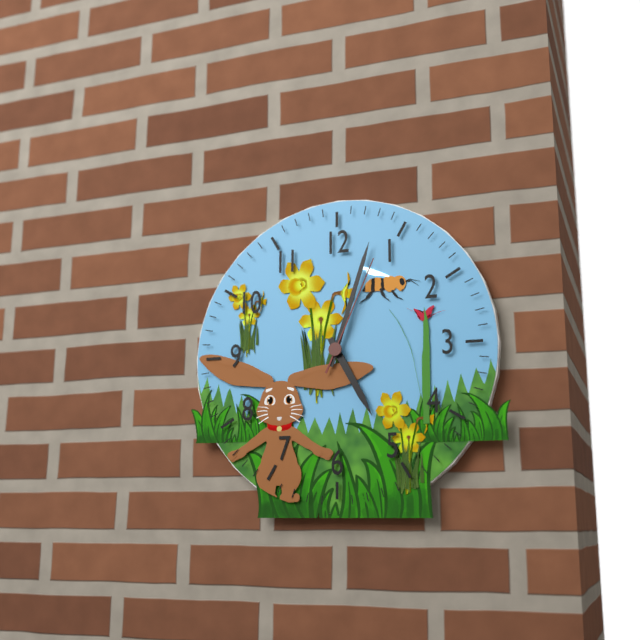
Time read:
5h03m04s
